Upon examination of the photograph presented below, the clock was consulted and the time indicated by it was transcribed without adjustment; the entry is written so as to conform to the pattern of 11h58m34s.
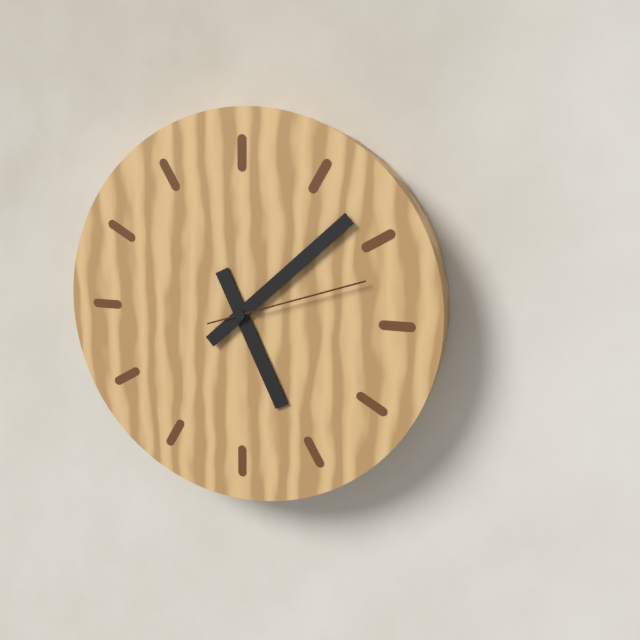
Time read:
5h08m12s
